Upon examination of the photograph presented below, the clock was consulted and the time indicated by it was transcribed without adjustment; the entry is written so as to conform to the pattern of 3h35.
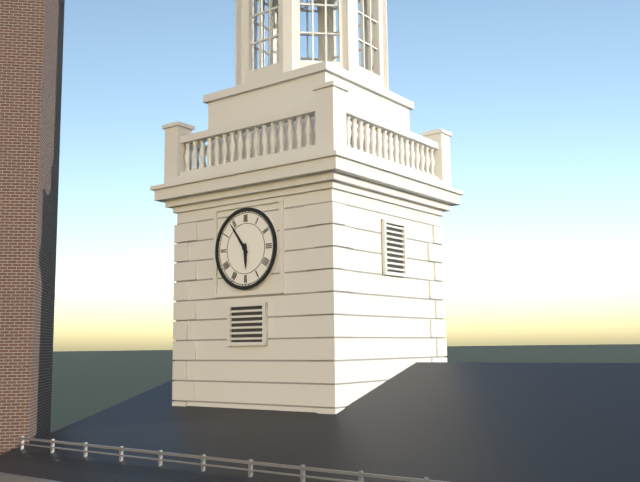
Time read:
5h54
